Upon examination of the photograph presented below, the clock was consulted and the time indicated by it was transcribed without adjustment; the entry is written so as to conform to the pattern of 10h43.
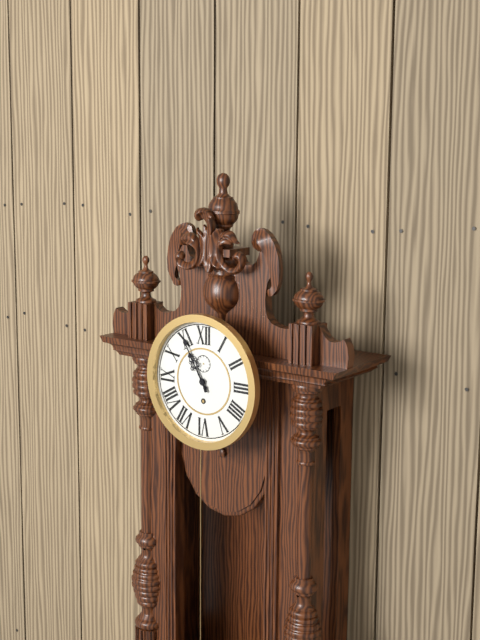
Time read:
10h55
